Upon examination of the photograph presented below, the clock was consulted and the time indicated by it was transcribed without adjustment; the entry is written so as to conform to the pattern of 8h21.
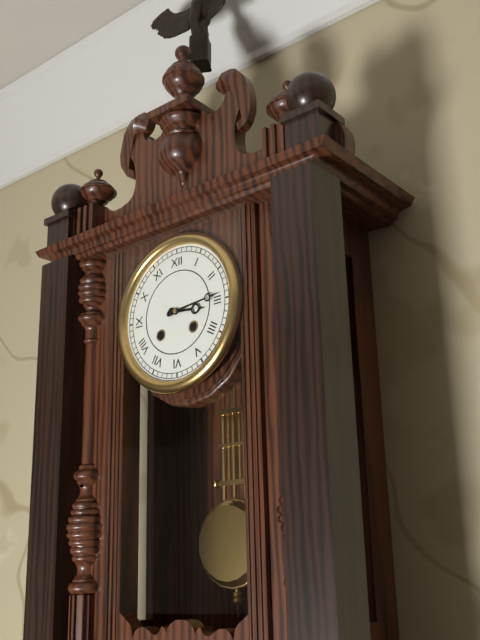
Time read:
3h14
